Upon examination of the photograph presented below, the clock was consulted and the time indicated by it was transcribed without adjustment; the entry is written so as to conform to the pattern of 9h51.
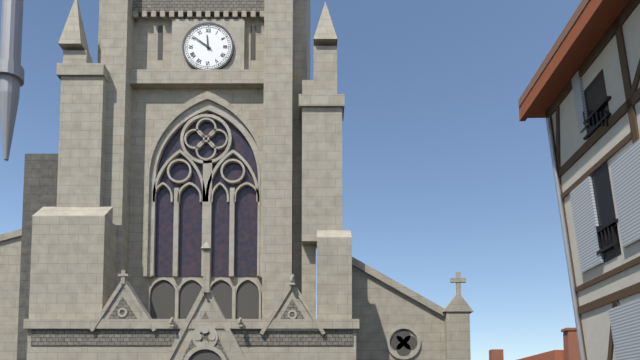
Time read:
11h51
